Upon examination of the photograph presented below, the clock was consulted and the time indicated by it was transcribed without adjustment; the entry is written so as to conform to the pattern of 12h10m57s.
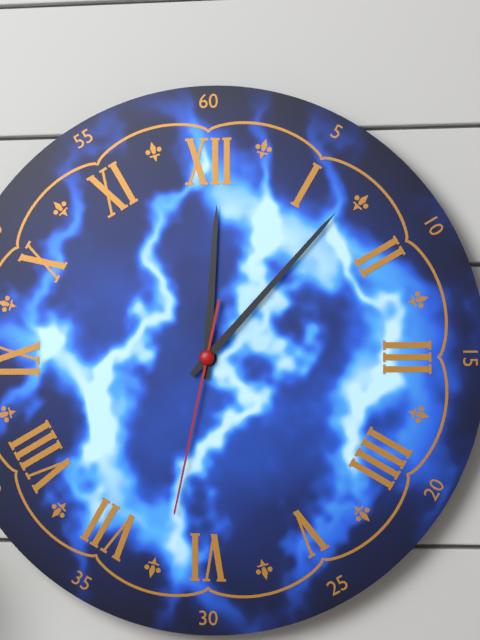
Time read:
12h07m32s
